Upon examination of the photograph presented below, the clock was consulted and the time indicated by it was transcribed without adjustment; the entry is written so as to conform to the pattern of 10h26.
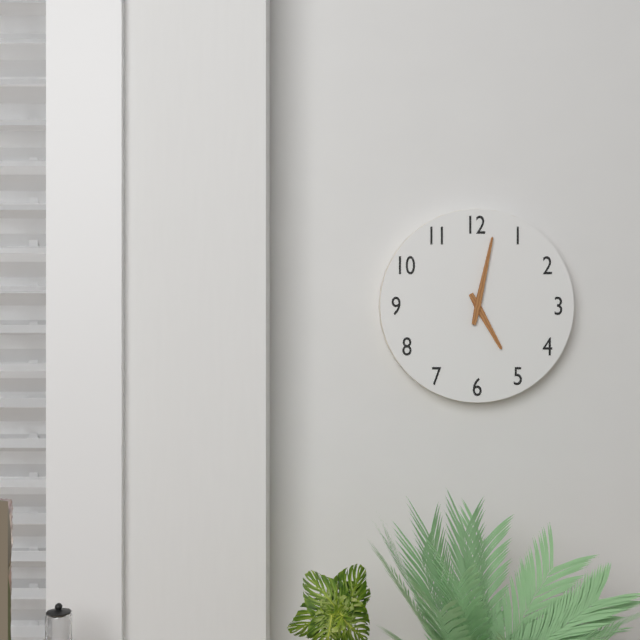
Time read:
5h02
